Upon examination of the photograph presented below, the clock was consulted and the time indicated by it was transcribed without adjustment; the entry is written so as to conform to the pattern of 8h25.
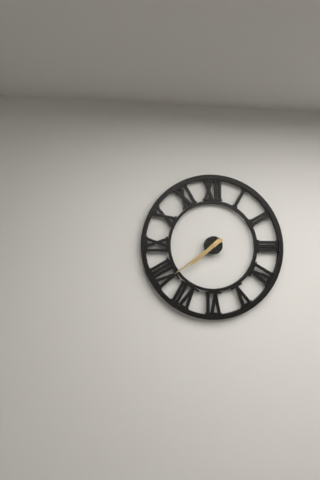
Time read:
7h39
